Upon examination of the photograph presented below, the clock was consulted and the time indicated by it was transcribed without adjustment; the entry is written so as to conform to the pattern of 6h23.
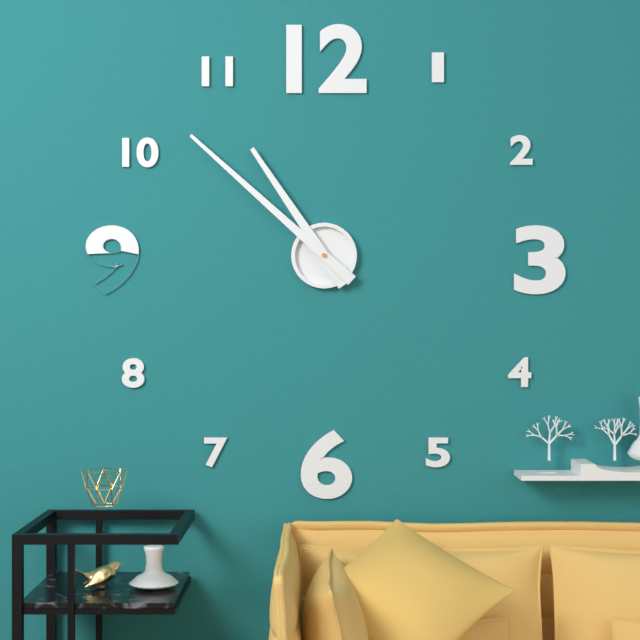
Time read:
10h52
